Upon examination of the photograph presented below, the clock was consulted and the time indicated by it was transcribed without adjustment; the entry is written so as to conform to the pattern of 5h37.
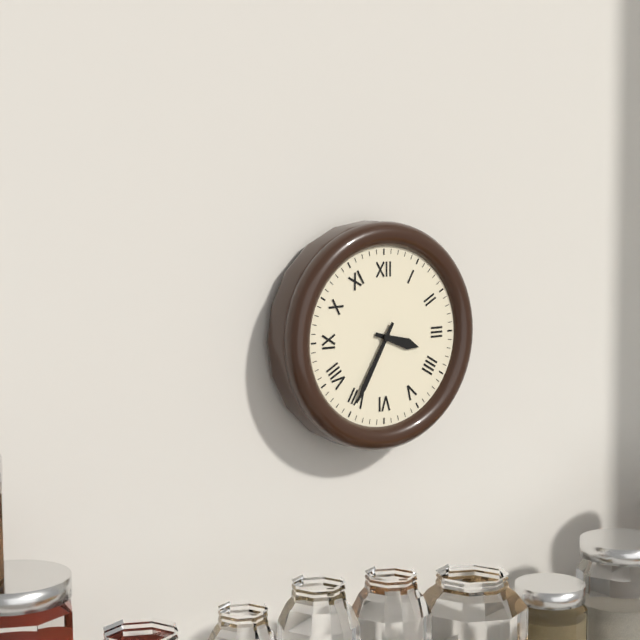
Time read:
3h35
